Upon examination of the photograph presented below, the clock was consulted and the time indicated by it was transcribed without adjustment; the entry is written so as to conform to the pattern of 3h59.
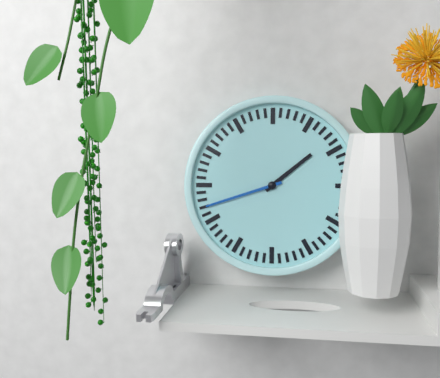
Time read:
1h42
